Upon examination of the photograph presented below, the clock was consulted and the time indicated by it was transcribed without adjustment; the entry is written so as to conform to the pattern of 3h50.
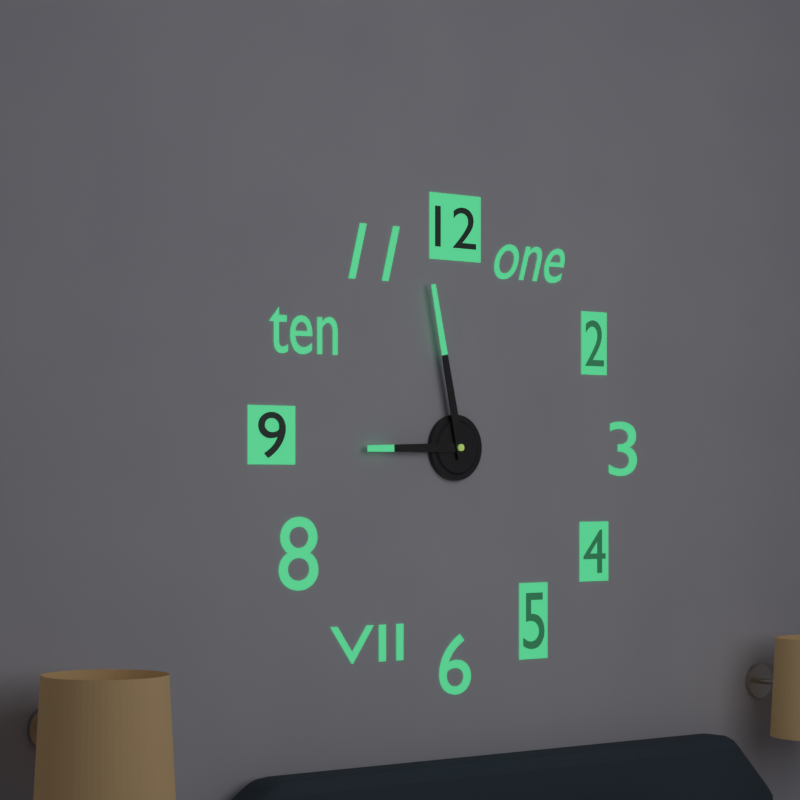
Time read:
8h58
